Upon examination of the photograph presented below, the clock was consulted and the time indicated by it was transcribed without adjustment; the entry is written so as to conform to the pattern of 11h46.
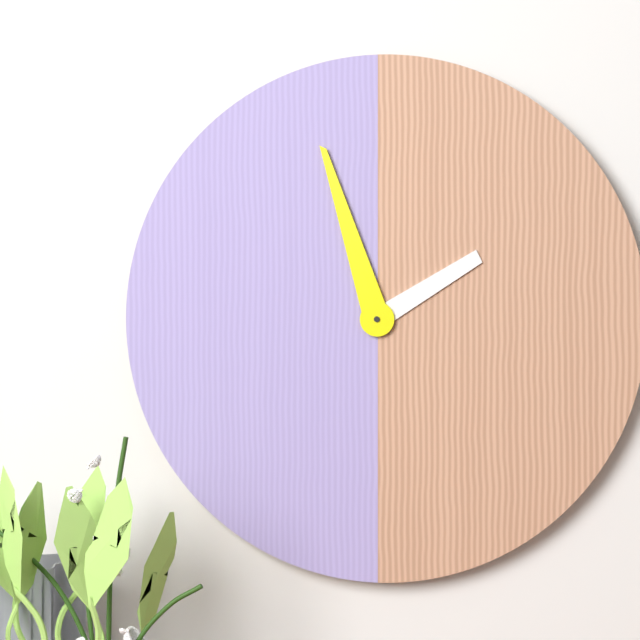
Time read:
1h57
